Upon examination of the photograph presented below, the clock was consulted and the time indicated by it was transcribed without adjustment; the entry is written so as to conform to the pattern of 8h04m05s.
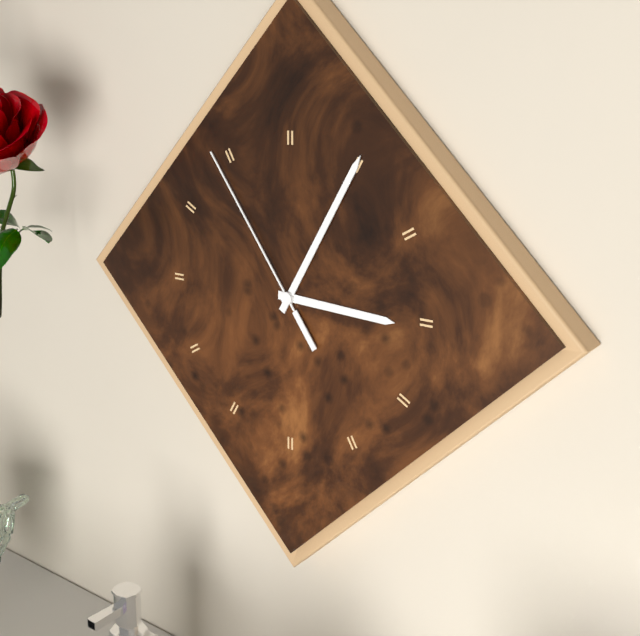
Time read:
3h05m54s
